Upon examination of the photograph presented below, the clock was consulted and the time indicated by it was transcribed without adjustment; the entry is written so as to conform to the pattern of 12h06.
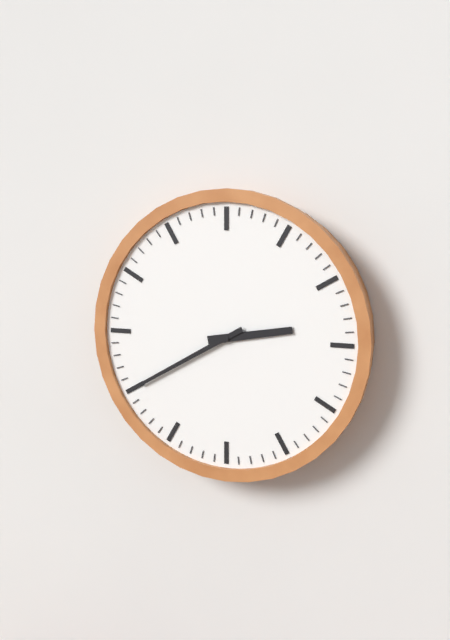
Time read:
2h40
